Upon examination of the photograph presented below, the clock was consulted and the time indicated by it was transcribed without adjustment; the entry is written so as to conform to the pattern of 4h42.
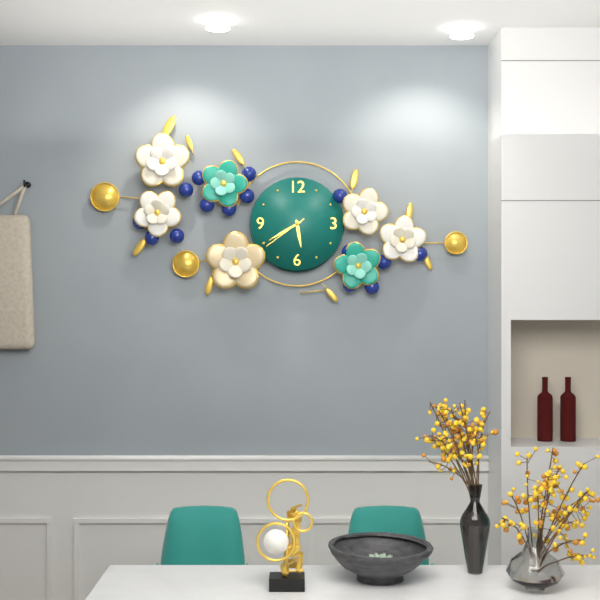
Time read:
5h40
